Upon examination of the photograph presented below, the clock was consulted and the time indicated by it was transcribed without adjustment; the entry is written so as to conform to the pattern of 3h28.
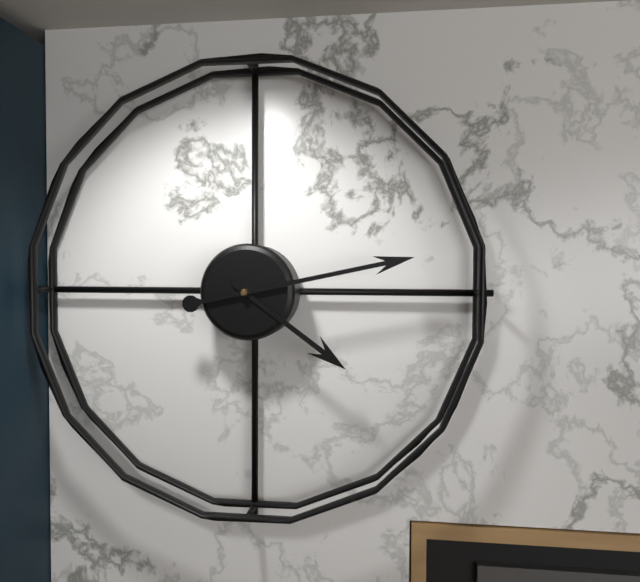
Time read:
4h13
